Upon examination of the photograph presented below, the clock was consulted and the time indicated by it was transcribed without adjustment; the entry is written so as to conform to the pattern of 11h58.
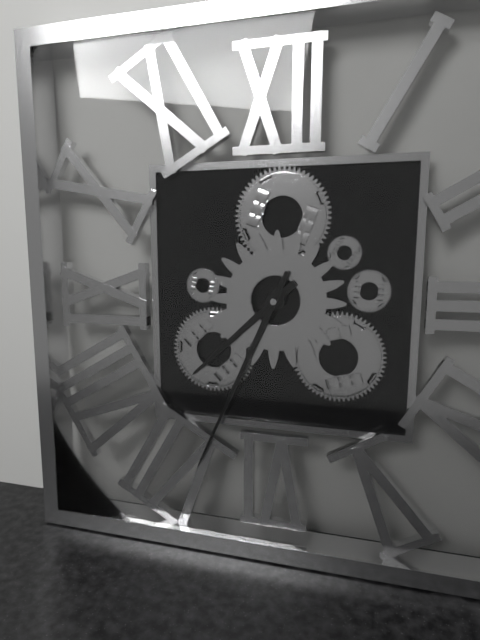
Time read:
7h34
